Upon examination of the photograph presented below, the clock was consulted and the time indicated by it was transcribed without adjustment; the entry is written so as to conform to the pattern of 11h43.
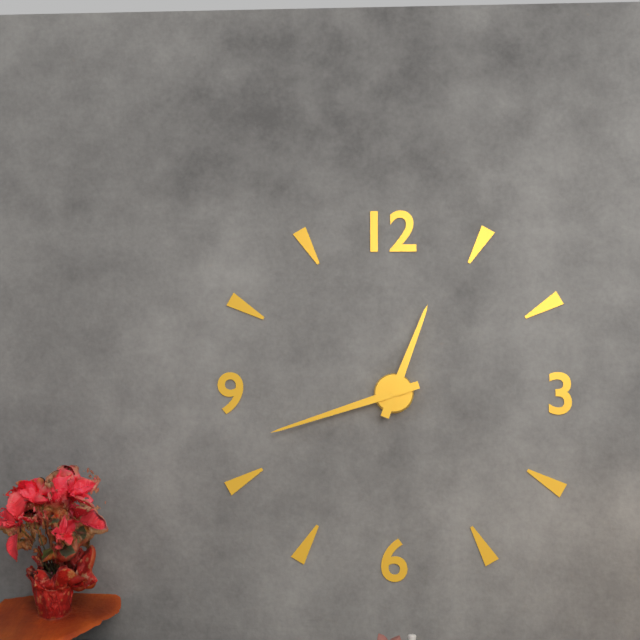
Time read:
12h42
